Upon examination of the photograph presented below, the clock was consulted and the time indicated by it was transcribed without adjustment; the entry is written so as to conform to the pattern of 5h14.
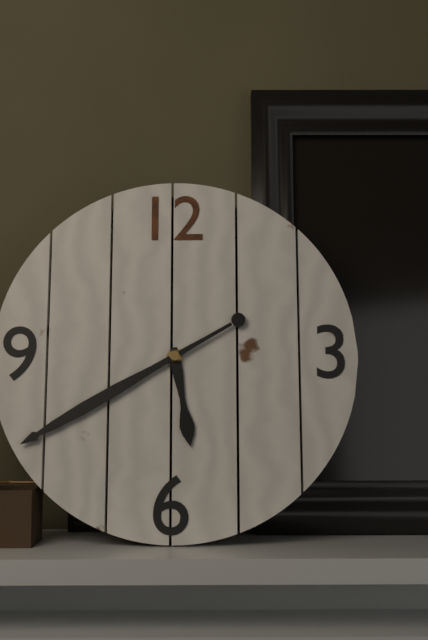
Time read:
5h40
